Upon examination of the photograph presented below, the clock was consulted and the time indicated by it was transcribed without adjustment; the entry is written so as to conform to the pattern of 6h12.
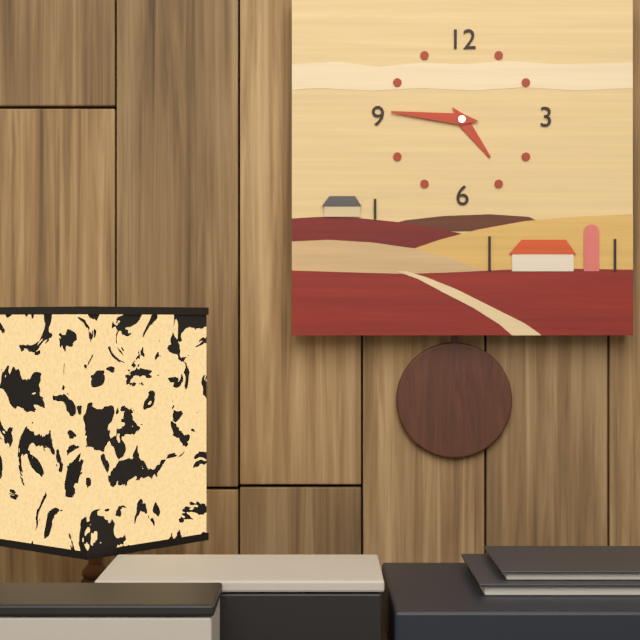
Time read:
4h46
